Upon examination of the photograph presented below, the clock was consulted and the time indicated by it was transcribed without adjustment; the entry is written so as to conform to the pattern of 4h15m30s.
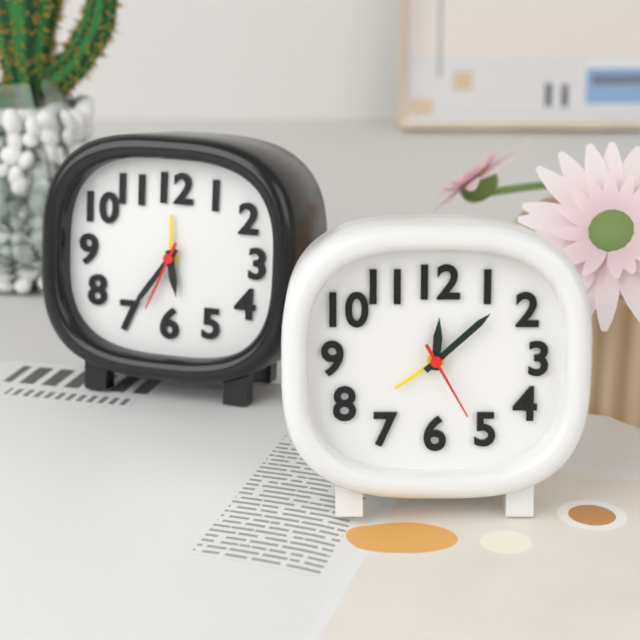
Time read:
12h08m25s
